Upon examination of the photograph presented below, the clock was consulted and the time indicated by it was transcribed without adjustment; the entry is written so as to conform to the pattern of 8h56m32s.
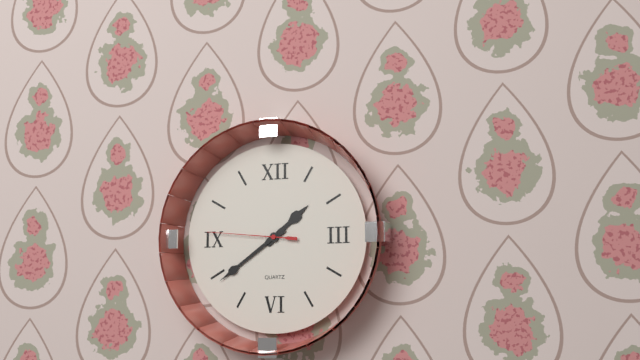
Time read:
1h39m46s
